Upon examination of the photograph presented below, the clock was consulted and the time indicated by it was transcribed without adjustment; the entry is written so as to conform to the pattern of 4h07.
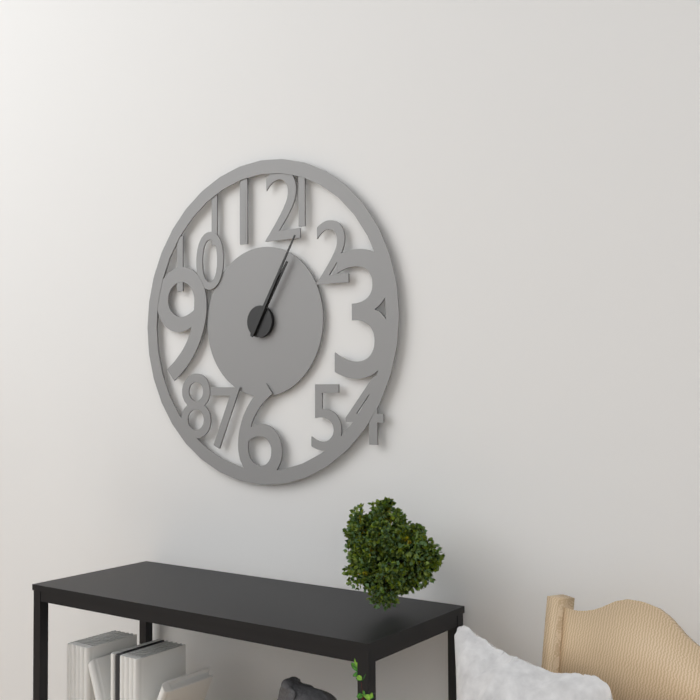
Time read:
1h05
